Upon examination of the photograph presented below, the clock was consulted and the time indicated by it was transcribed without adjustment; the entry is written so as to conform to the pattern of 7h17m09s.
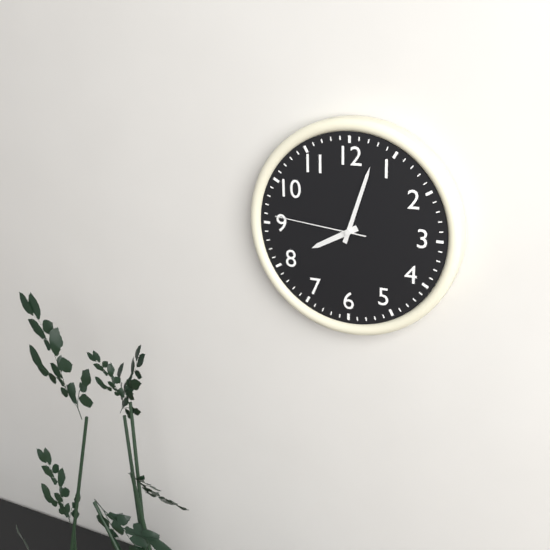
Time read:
8h03m46s
